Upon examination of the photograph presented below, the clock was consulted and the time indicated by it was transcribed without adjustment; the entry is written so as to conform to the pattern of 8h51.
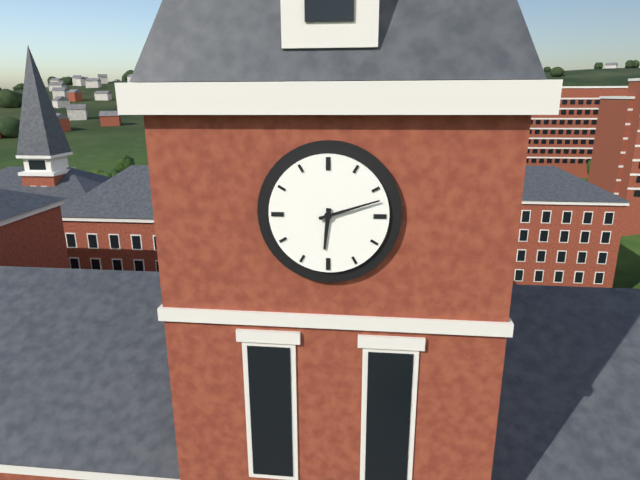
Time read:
6h12
